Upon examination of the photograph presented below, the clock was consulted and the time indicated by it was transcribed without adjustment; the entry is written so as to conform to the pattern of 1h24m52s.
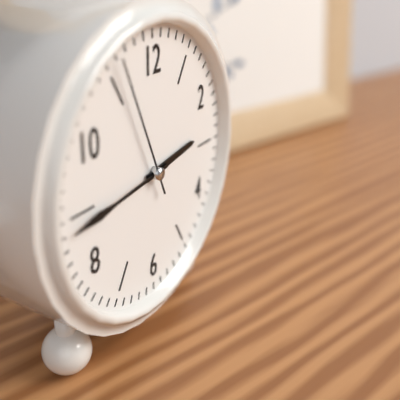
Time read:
2h44m56s
